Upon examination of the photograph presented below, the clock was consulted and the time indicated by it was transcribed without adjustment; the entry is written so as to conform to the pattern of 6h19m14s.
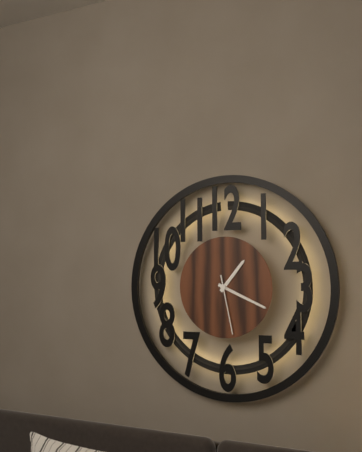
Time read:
1h19m28s
